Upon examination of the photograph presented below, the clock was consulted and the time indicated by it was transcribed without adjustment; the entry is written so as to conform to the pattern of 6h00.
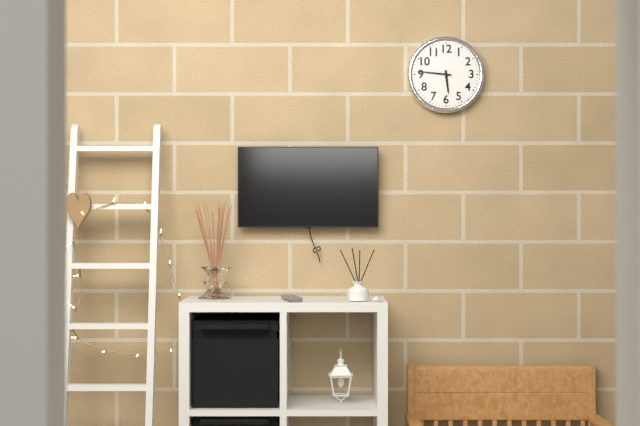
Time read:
5h46
